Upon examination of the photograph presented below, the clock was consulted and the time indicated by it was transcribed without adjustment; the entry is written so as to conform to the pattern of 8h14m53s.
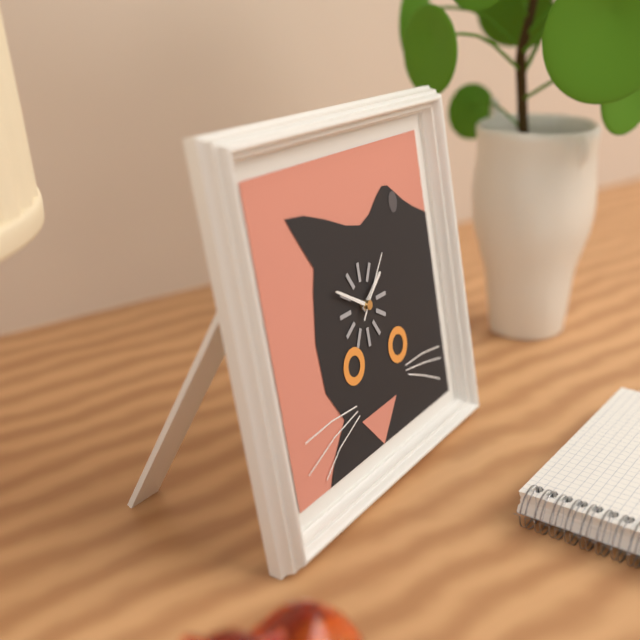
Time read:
1h50m07s
